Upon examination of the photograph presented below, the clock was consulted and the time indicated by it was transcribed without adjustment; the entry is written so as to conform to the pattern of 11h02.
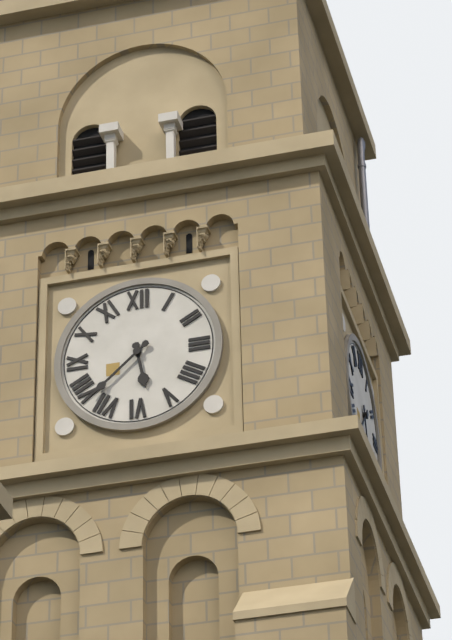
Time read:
5h38
